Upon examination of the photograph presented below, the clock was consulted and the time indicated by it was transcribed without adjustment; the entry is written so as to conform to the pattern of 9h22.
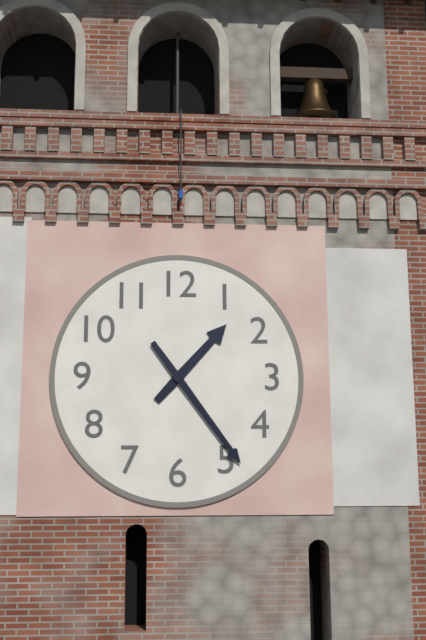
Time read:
1h24
